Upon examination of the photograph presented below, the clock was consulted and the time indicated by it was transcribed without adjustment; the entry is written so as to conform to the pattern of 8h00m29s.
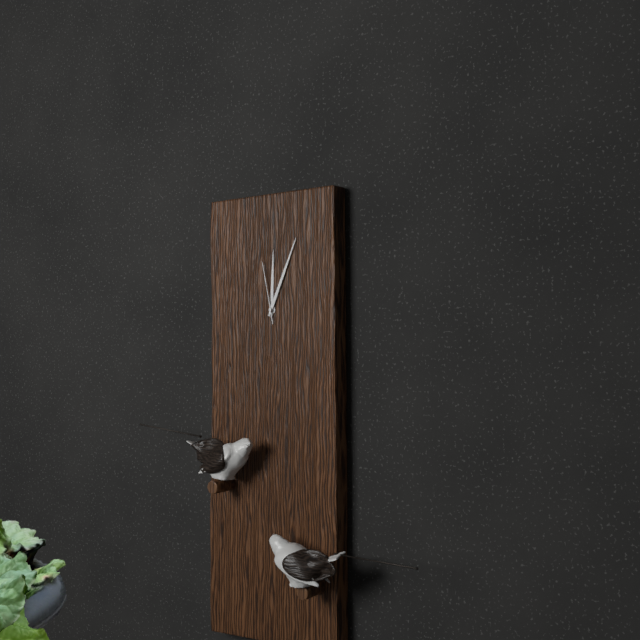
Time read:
12h04m58s
